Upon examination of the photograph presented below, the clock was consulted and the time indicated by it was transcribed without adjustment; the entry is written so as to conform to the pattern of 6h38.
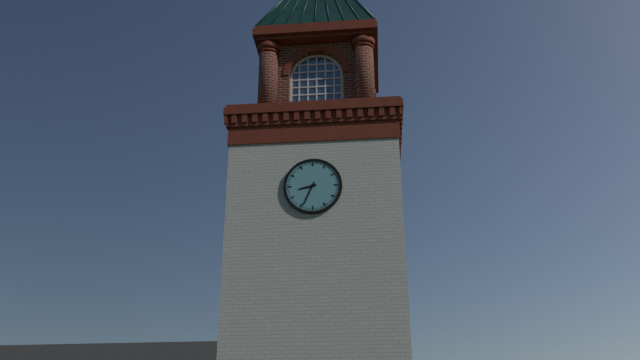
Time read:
8h34
